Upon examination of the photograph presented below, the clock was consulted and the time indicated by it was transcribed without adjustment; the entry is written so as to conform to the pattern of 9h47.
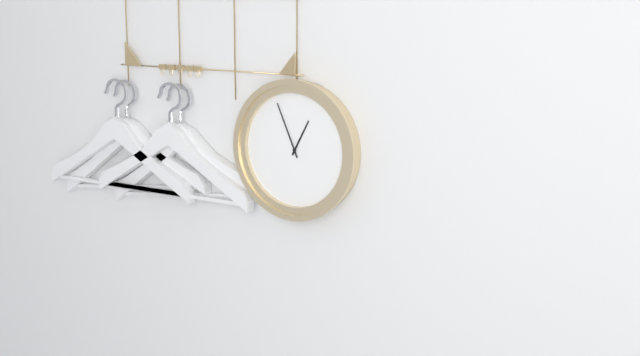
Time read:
12h56
